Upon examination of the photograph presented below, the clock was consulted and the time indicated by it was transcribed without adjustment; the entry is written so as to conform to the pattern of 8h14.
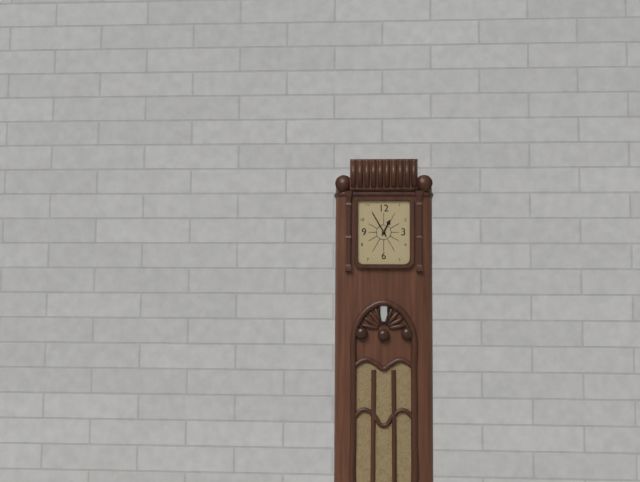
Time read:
12h55
